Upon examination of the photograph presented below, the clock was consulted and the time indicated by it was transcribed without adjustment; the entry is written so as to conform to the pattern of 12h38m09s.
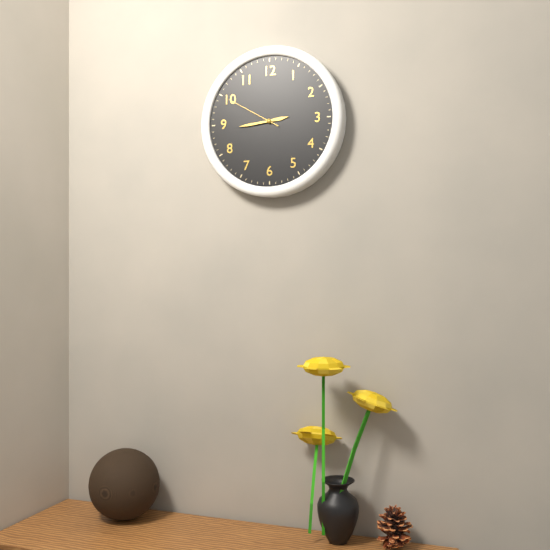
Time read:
2h44m50s
